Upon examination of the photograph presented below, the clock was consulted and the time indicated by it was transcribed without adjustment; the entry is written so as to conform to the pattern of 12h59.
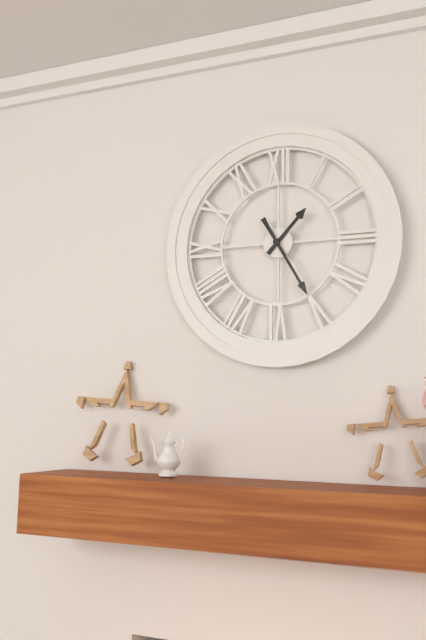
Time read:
1h25
